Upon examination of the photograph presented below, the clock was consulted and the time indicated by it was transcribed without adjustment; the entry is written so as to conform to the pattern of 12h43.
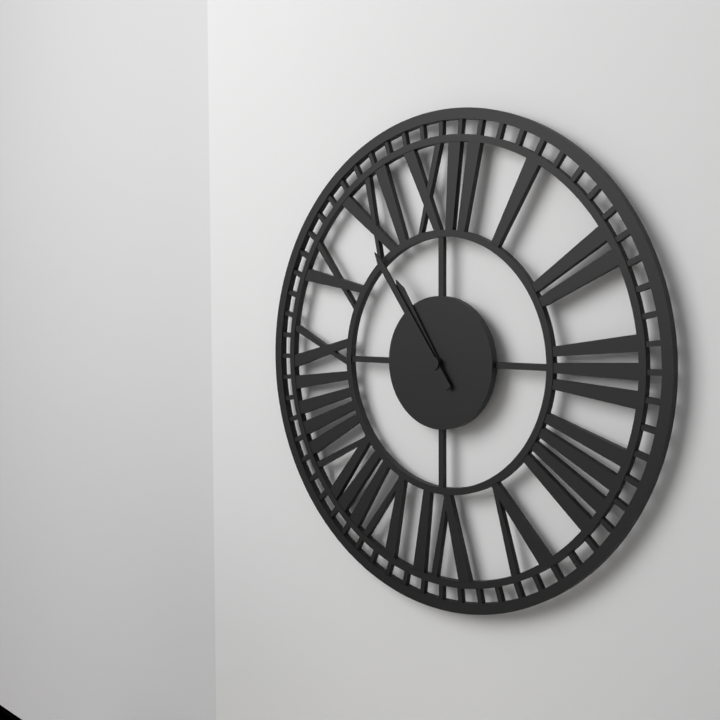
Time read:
10h54
